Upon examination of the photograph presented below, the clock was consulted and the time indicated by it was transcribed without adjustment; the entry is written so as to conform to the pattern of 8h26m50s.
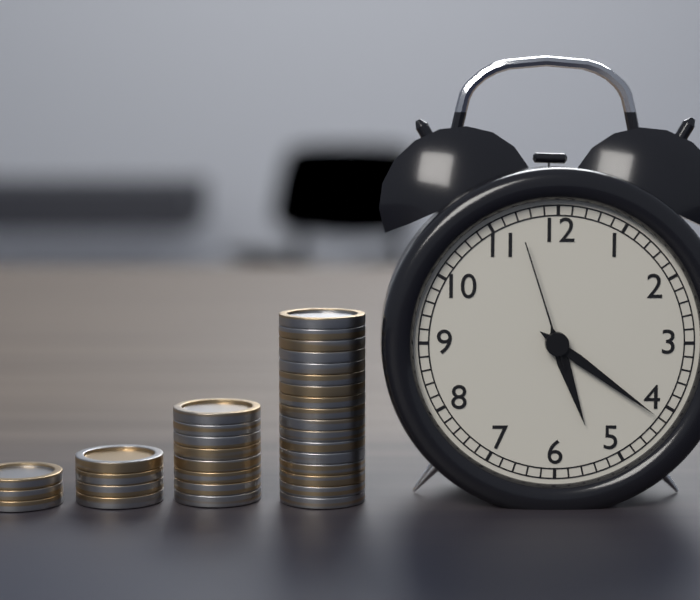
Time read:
5h21m57s
